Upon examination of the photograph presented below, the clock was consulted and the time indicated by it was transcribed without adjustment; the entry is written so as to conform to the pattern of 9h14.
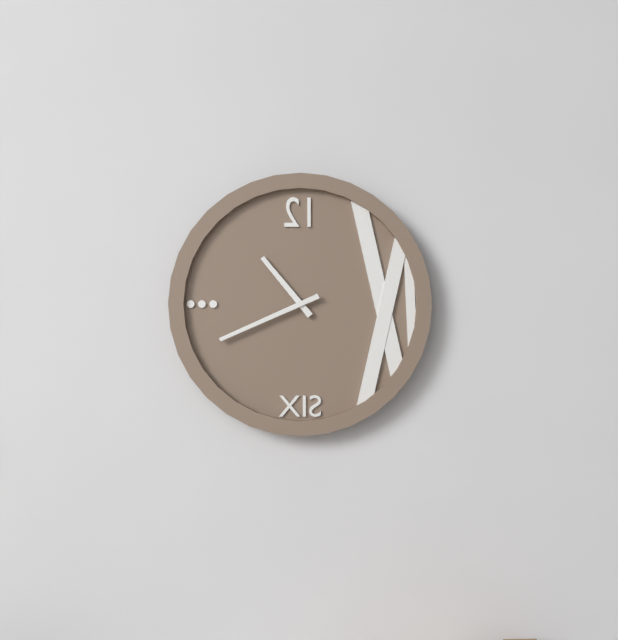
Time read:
10h41
